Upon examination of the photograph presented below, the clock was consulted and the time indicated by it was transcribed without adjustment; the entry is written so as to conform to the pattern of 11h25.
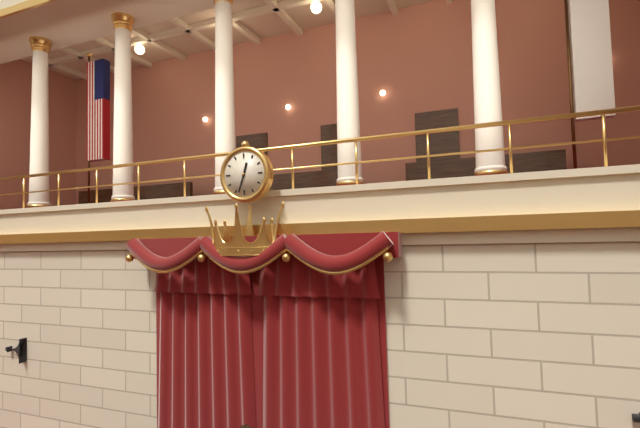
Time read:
12h33
